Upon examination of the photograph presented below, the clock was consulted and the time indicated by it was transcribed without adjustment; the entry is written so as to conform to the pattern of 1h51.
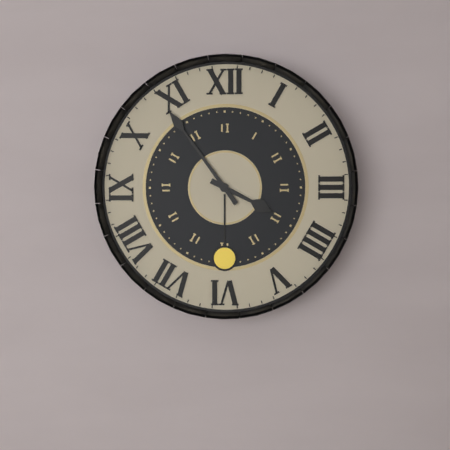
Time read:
3h54
